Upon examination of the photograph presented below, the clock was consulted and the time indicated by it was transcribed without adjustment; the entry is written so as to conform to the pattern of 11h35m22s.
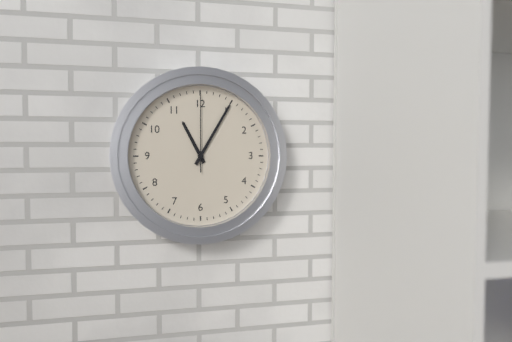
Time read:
11h05m00s
